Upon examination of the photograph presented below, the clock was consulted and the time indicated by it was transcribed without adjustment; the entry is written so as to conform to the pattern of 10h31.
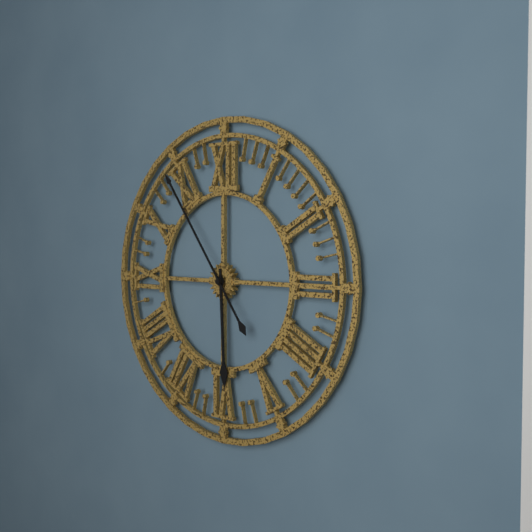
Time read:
5h54
